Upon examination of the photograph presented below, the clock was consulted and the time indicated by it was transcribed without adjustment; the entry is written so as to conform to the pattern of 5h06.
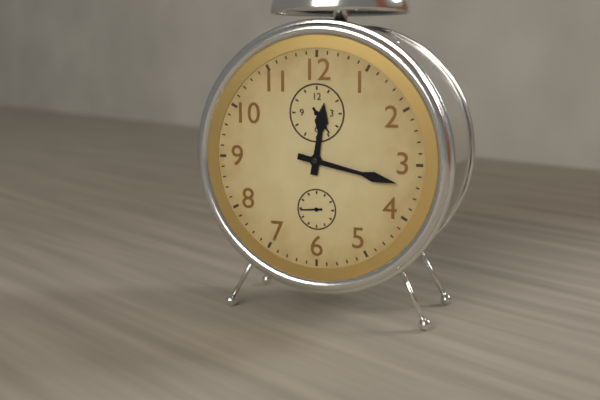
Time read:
12h17
